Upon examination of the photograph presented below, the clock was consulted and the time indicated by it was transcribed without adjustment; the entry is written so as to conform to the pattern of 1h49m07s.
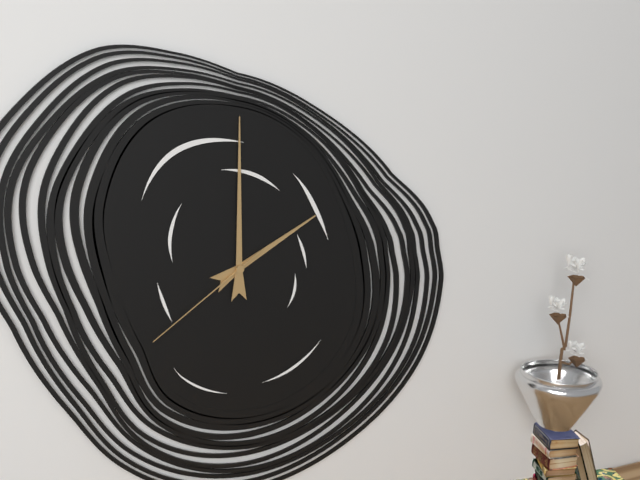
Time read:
2h00m39s
